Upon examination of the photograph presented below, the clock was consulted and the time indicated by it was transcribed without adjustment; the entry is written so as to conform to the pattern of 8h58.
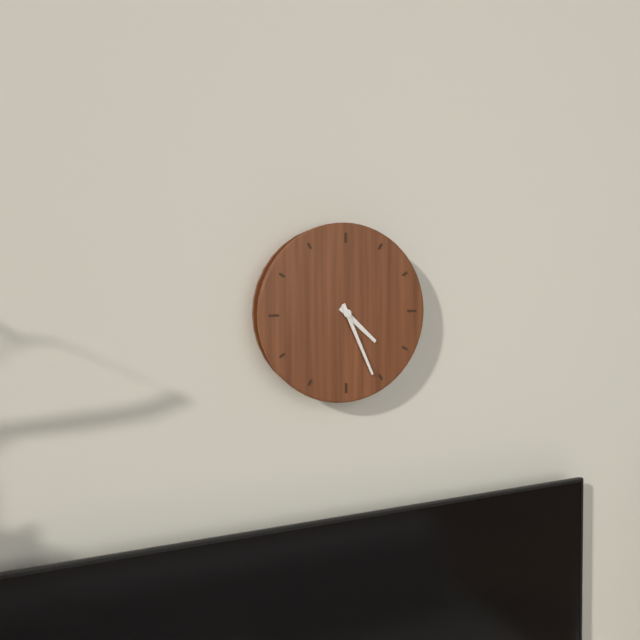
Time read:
4h26
